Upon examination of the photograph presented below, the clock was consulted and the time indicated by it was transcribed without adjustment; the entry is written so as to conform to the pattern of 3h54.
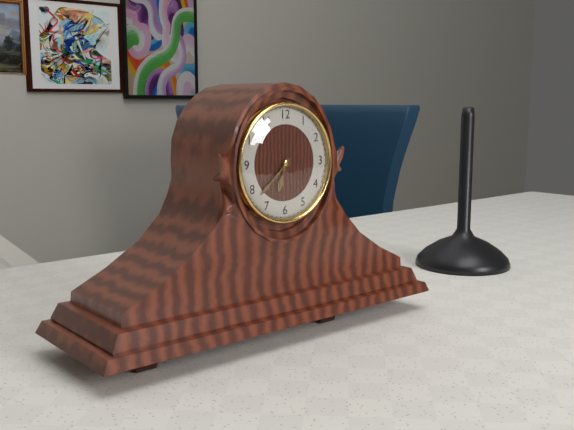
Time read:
6h38
